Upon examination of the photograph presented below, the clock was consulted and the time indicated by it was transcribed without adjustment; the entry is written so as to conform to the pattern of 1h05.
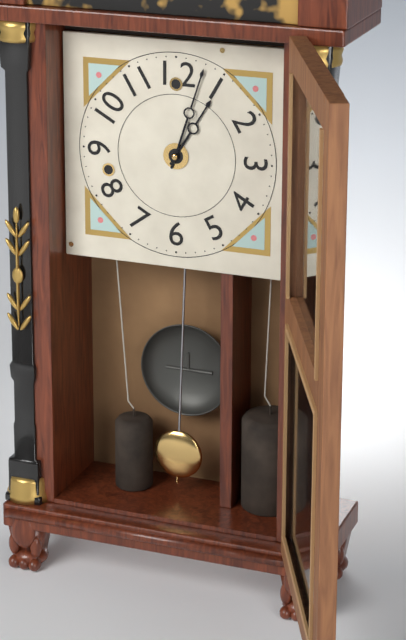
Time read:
1h03
